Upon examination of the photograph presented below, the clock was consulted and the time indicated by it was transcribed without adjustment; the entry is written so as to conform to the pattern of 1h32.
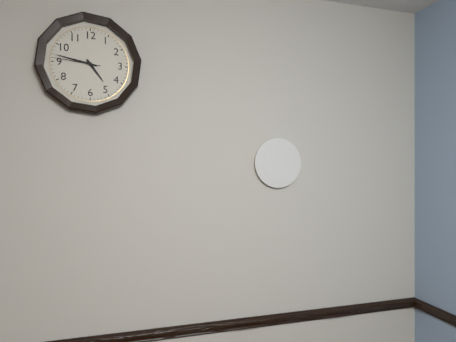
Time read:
4h47
